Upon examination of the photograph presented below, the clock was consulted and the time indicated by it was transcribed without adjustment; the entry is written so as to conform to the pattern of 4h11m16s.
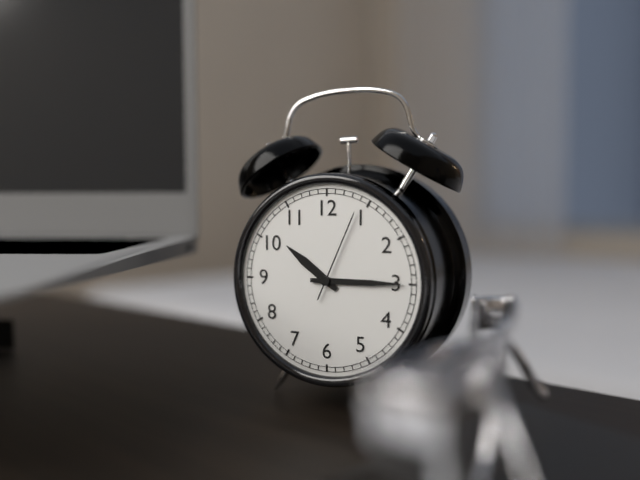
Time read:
10h15m04s
